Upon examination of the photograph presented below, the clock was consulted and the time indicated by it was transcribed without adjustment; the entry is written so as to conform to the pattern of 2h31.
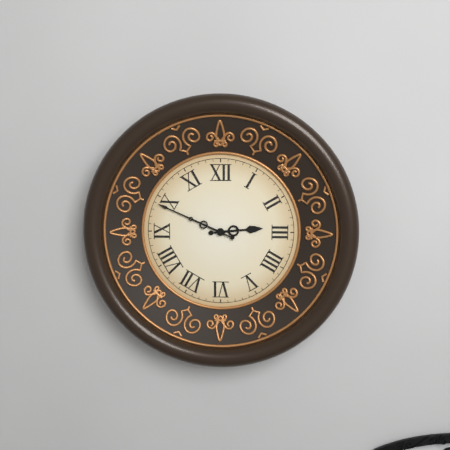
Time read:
2h49
